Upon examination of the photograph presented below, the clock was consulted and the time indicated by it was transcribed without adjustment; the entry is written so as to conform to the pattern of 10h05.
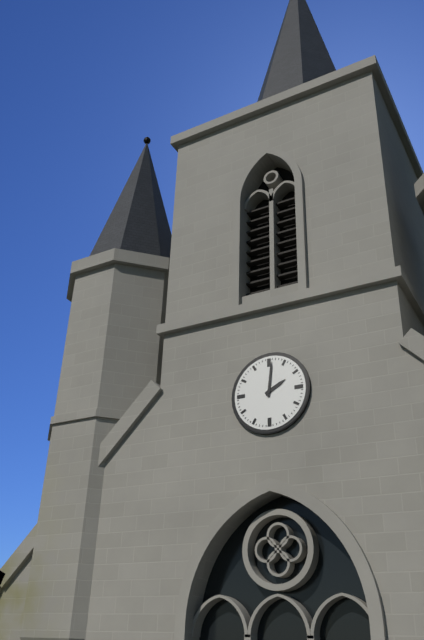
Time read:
2h01
